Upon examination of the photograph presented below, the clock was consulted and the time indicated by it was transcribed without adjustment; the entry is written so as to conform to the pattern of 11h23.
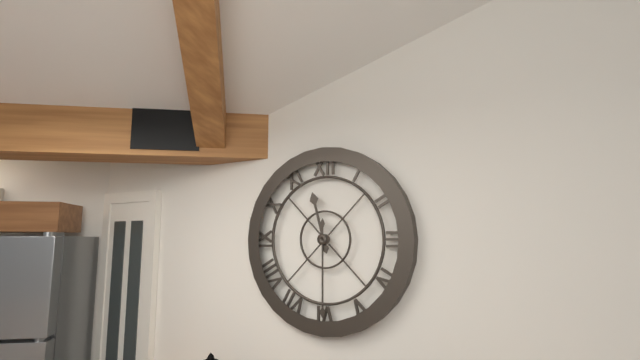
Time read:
11h30
